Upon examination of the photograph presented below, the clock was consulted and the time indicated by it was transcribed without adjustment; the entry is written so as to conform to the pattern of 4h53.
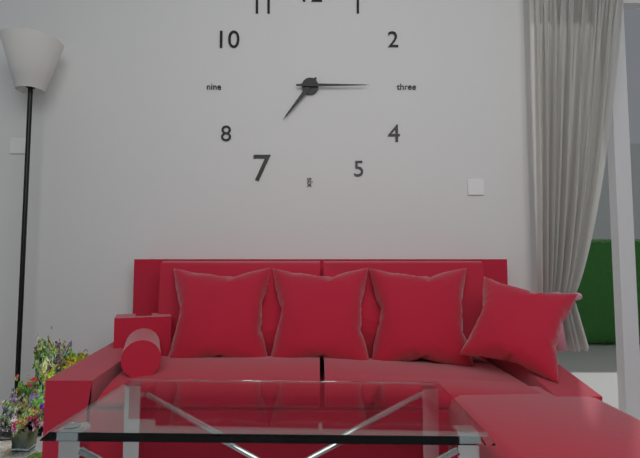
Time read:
7h15
